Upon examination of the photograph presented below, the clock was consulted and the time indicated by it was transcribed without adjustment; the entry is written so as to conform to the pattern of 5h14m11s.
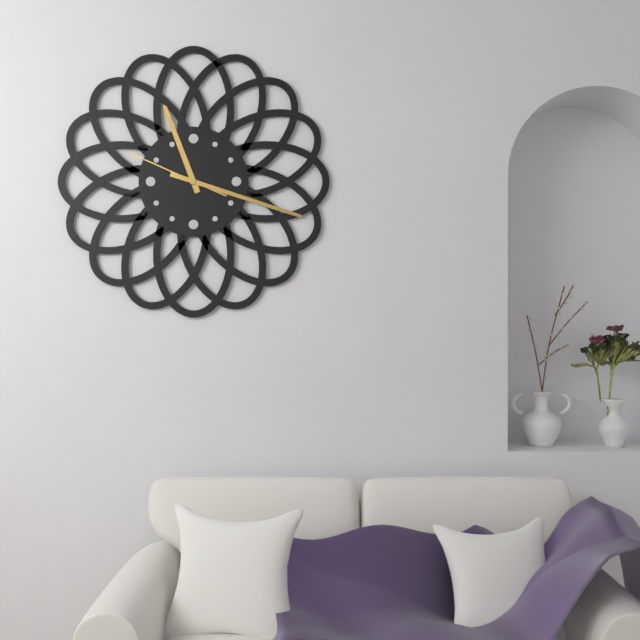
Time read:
11h18m49s
